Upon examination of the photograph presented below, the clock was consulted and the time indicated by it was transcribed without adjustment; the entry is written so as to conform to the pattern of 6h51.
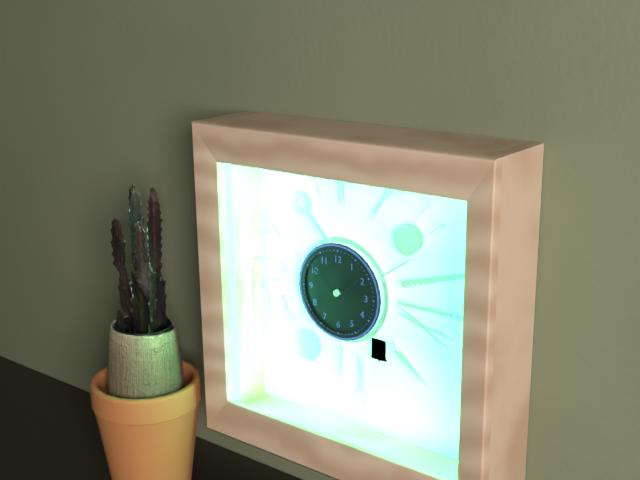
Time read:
1h51
